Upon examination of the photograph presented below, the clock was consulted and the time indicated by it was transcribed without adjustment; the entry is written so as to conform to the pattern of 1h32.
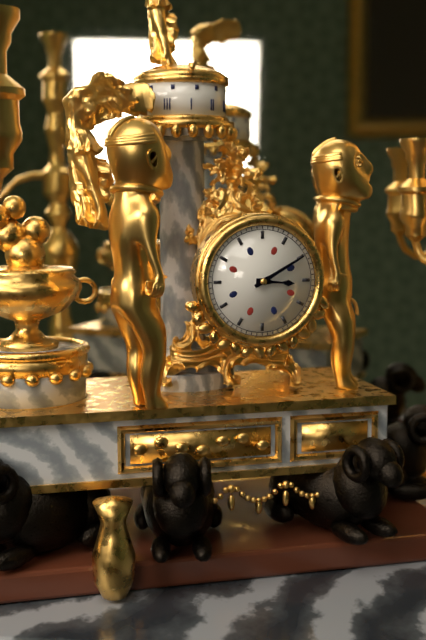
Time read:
3h10
